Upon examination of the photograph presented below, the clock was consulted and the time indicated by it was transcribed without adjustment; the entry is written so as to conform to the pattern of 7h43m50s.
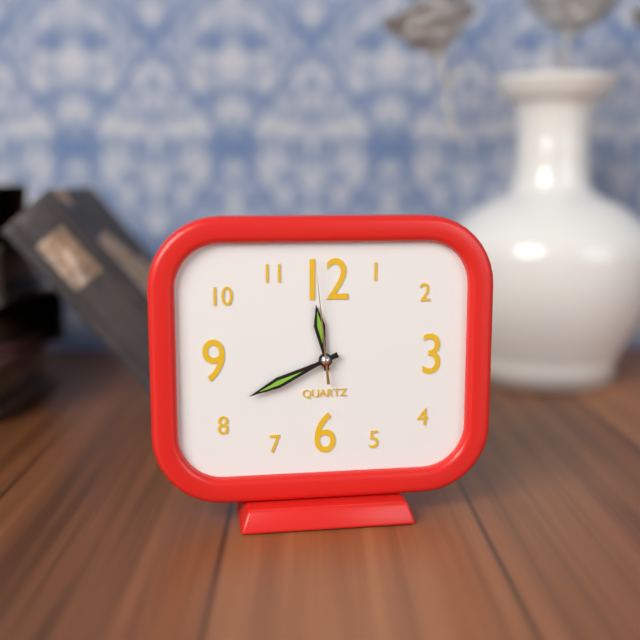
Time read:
11h41m59s
